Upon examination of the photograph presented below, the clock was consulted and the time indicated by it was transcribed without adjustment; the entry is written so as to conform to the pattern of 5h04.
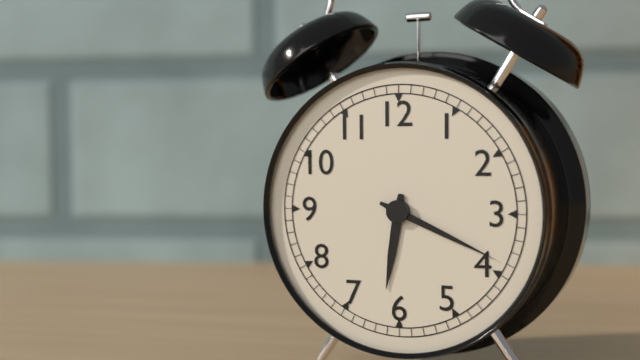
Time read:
6h19
